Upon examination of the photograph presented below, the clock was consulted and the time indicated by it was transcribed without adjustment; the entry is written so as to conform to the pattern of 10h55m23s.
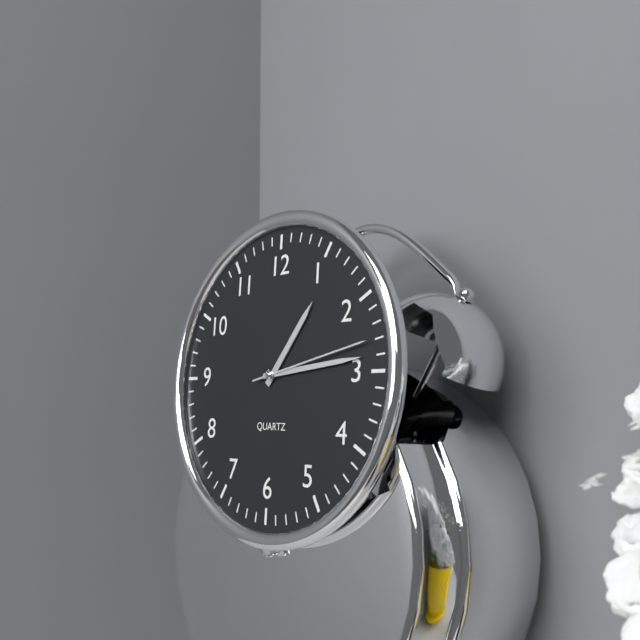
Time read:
1h14m13s
